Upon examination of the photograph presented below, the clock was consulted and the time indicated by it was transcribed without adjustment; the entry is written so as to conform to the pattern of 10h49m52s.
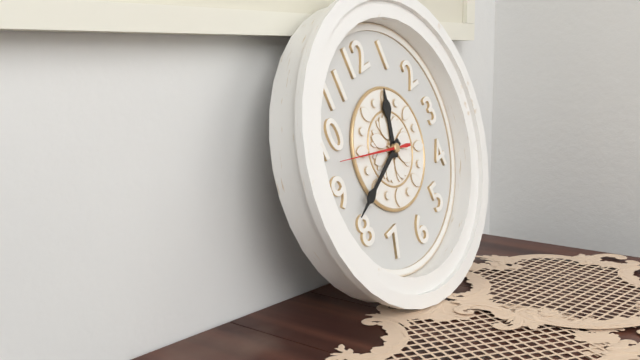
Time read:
12h42m48s
